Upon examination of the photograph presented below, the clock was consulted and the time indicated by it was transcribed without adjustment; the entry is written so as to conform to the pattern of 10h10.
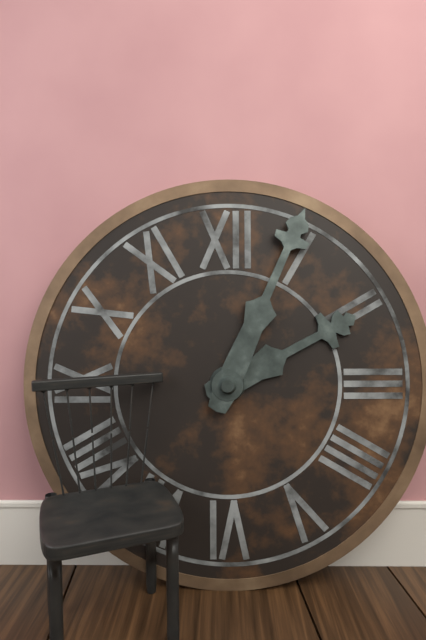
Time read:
2h04
